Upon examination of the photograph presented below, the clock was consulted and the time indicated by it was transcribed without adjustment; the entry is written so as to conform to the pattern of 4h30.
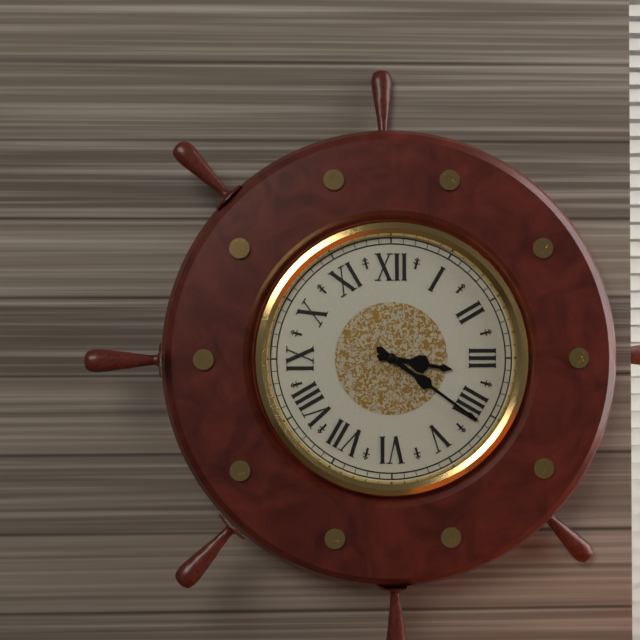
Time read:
3h21
